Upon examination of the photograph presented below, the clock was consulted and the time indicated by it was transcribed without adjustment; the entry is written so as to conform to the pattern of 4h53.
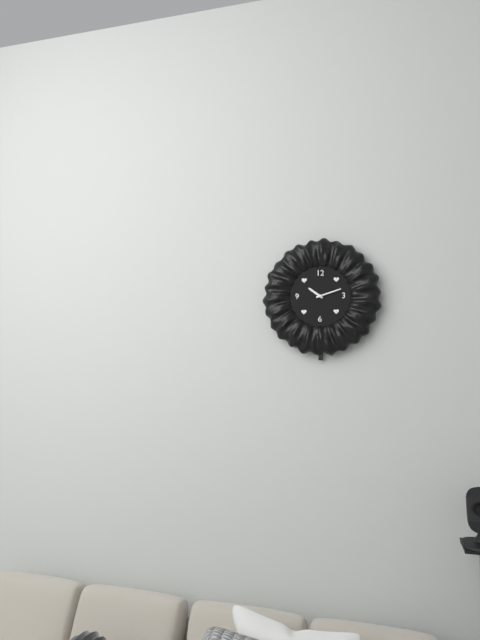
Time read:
10h12
